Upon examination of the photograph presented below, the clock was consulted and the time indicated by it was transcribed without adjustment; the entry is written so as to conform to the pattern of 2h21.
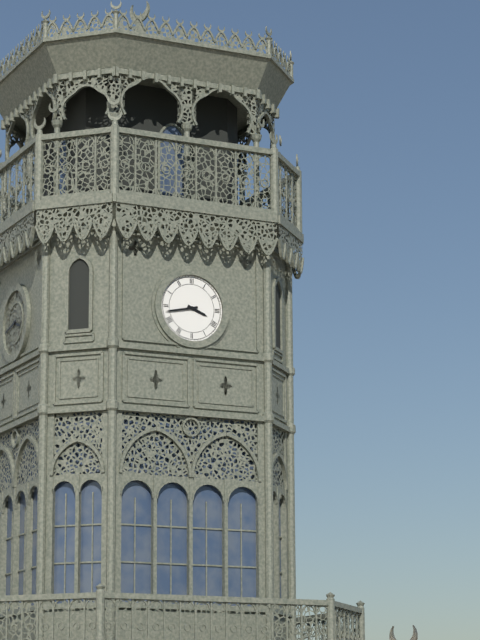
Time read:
3h43
